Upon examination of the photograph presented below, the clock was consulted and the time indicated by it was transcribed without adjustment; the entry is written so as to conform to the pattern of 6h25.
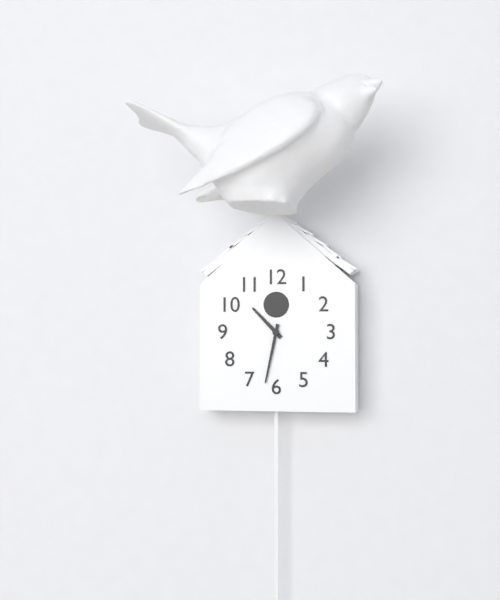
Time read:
10h32
